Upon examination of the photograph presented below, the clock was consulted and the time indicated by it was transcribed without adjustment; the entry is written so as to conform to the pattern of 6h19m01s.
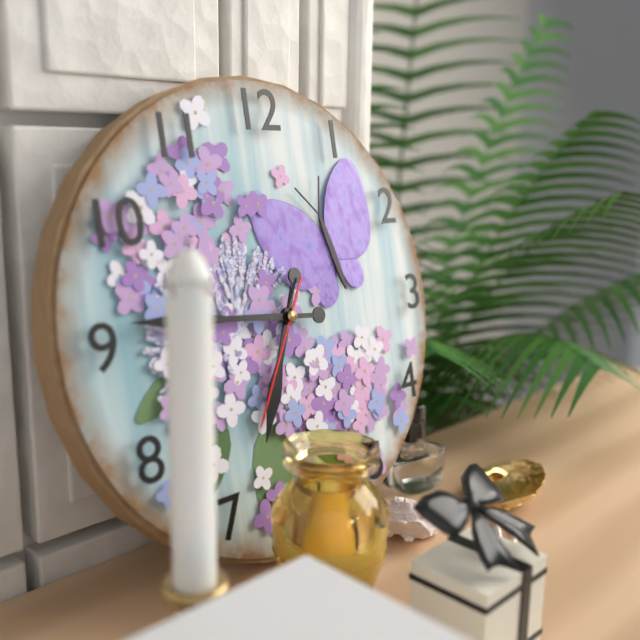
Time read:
6h46m35s
